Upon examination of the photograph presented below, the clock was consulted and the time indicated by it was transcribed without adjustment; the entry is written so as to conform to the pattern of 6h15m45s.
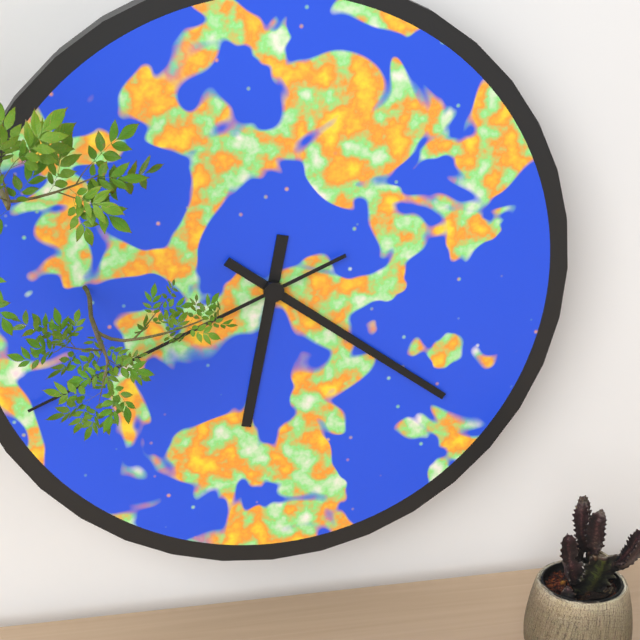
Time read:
6h21m41s
